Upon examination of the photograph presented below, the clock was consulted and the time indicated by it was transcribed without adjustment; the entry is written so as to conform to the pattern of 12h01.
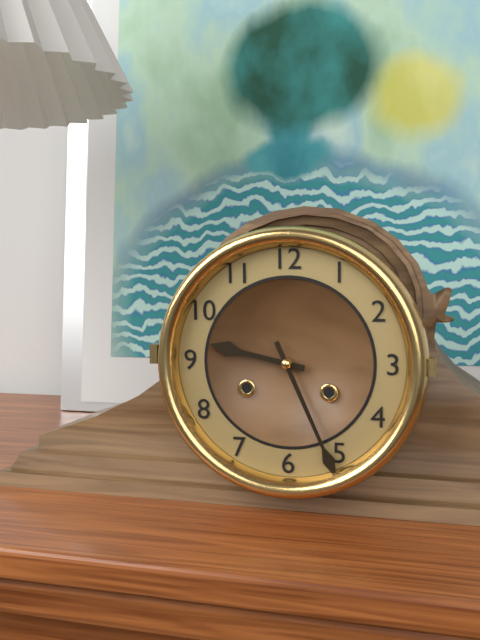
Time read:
9h26
